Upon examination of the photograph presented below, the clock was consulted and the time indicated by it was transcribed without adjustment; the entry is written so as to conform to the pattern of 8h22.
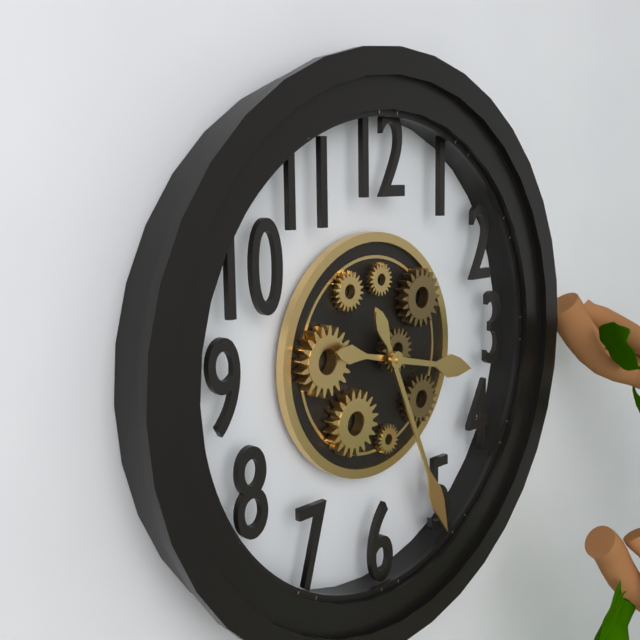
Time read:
3h26
